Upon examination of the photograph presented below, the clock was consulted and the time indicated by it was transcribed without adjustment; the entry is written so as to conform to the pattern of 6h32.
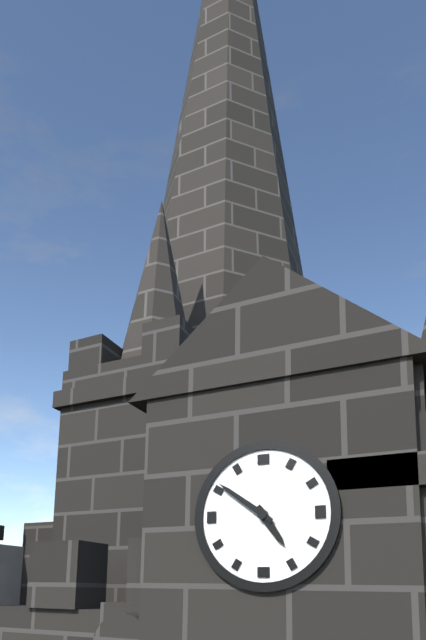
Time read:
4h51
